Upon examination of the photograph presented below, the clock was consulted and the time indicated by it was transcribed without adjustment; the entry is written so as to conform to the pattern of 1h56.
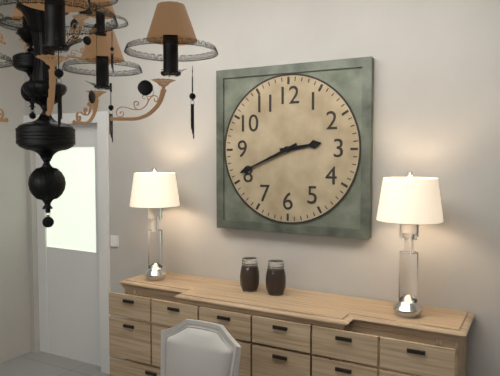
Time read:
2h41
